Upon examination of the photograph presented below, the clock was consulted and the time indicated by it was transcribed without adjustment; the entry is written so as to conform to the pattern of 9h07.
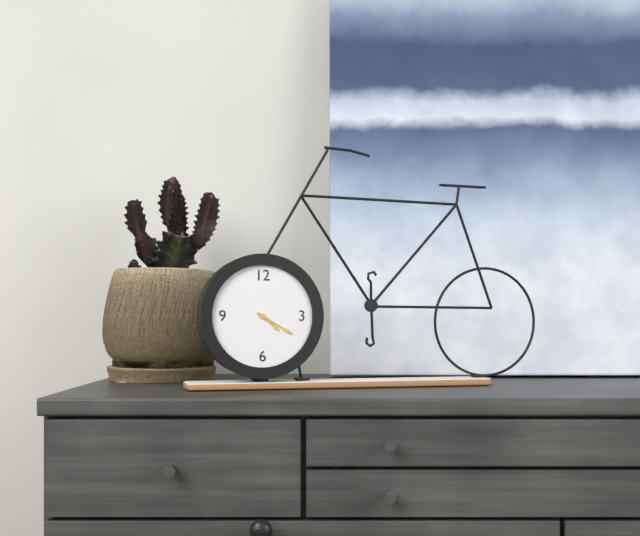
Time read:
4h20
